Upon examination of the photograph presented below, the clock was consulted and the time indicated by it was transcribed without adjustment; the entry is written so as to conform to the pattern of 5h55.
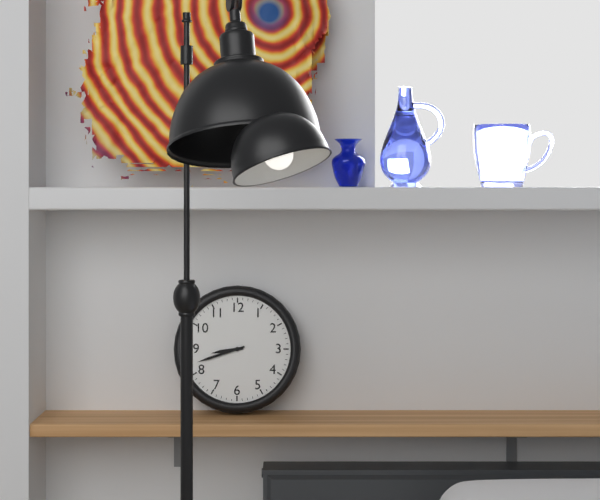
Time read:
8h42
